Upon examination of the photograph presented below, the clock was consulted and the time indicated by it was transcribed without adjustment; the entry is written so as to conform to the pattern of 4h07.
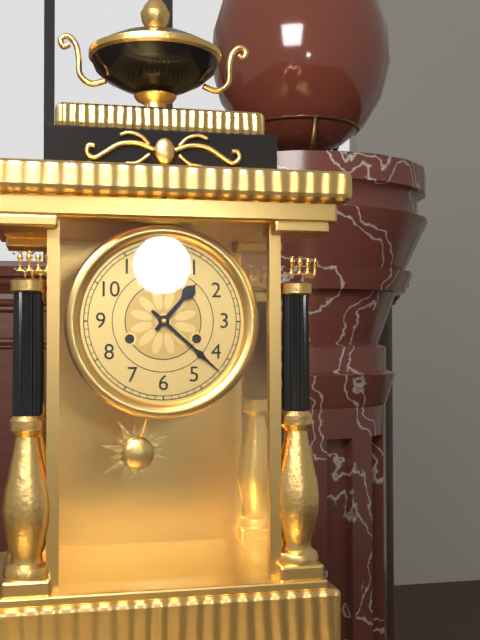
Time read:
1h22
